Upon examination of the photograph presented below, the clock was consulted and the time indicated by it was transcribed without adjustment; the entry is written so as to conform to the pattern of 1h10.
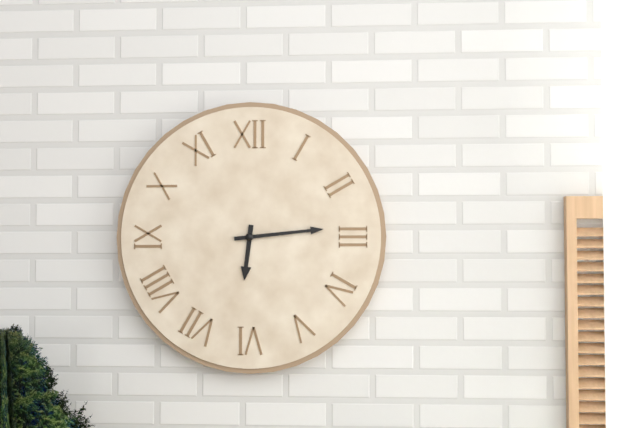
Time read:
6h14
